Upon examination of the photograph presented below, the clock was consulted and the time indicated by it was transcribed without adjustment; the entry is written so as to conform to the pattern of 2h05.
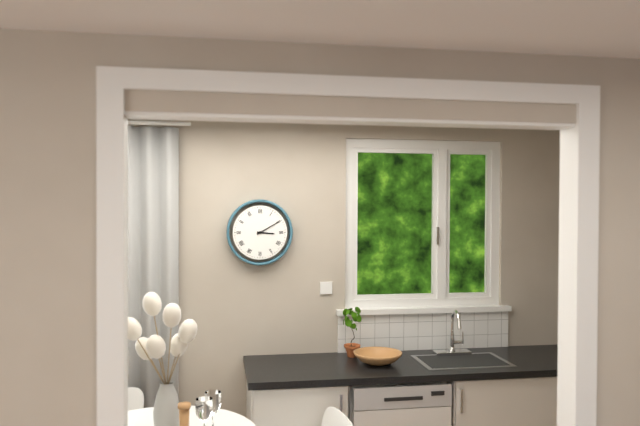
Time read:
3h10
